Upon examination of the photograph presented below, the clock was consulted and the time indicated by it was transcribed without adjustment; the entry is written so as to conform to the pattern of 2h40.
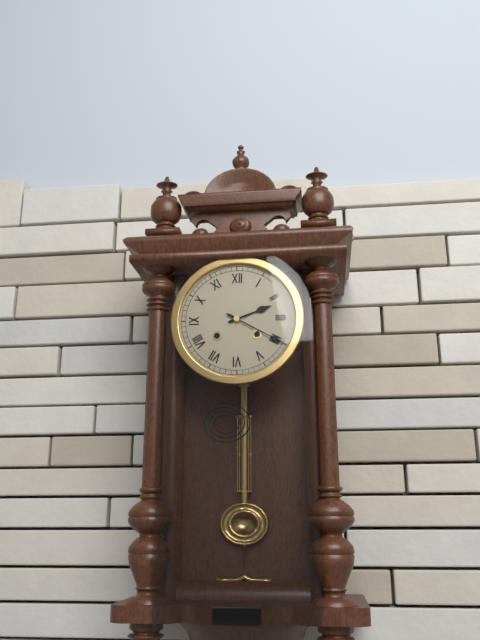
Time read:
2h20
